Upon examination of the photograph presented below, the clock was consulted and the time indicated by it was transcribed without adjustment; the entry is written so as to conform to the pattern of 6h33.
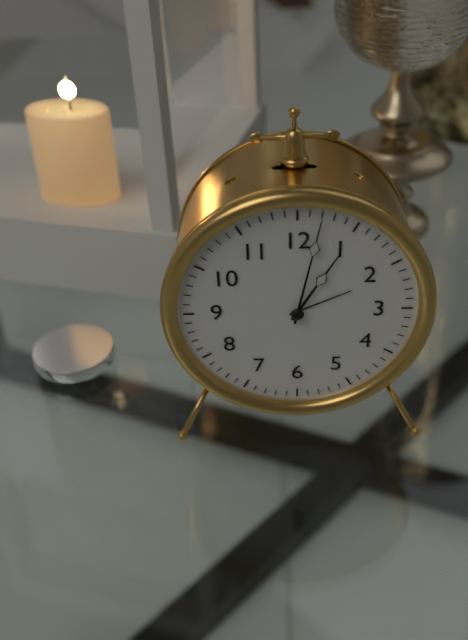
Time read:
1h02
